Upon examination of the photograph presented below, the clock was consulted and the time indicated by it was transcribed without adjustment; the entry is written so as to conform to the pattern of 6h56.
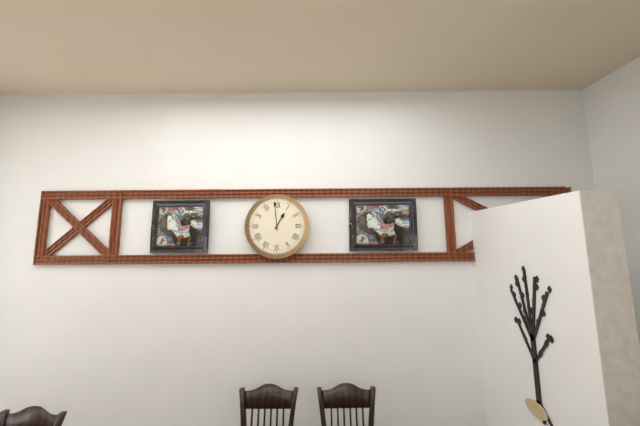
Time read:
12h59
